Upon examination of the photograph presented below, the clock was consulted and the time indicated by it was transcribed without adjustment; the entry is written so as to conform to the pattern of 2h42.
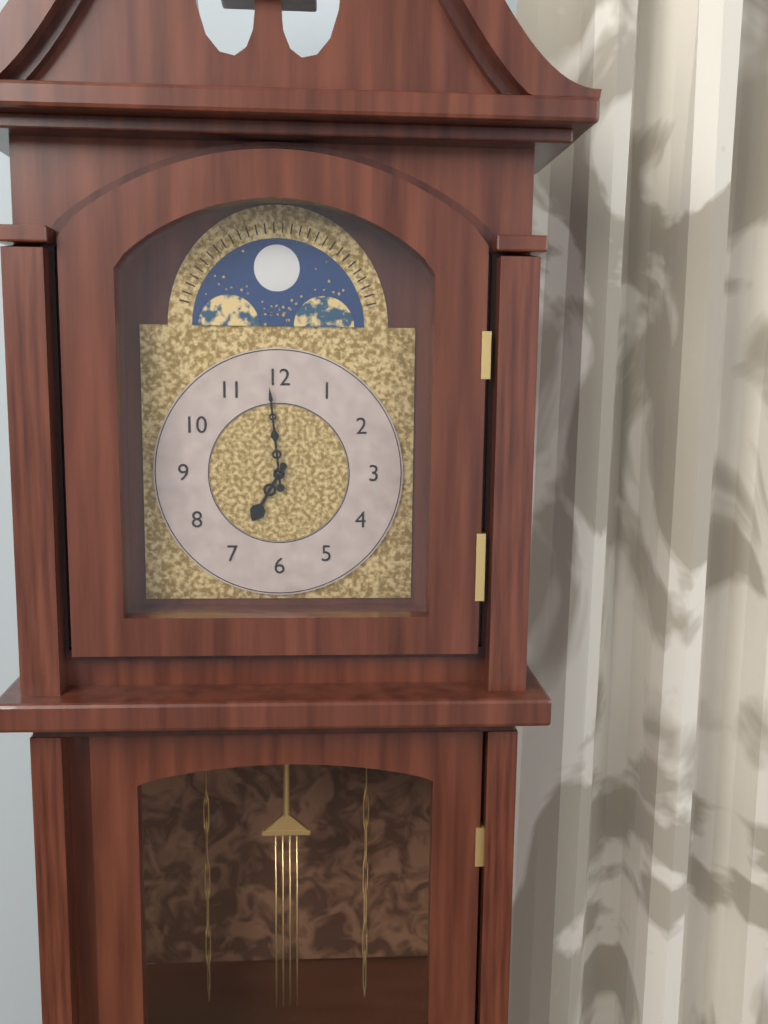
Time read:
6h59
